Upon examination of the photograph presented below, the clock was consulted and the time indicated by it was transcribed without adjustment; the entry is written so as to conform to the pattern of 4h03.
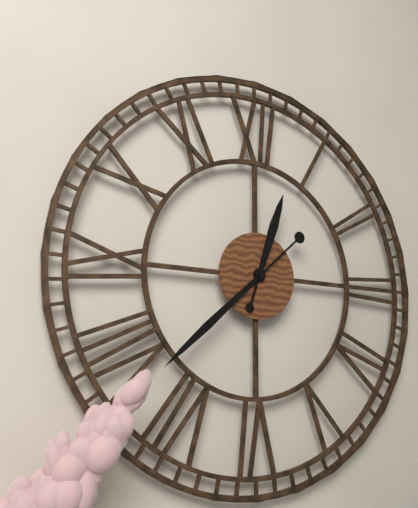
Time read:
12h38
